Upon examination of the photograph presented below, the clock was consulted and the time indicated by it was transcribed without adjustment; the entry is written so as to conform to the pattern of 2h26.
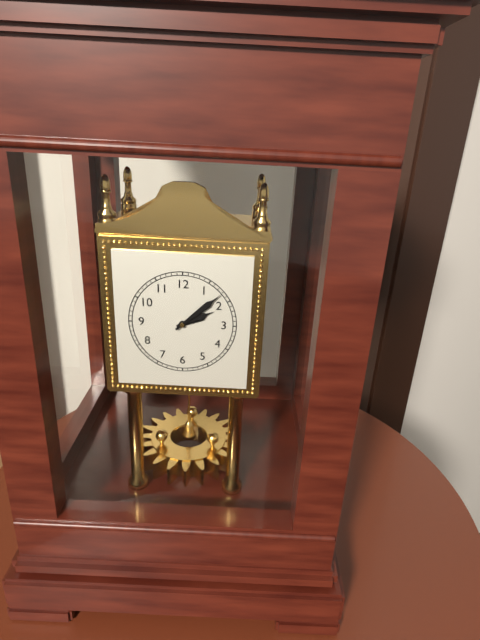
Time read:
2h08
